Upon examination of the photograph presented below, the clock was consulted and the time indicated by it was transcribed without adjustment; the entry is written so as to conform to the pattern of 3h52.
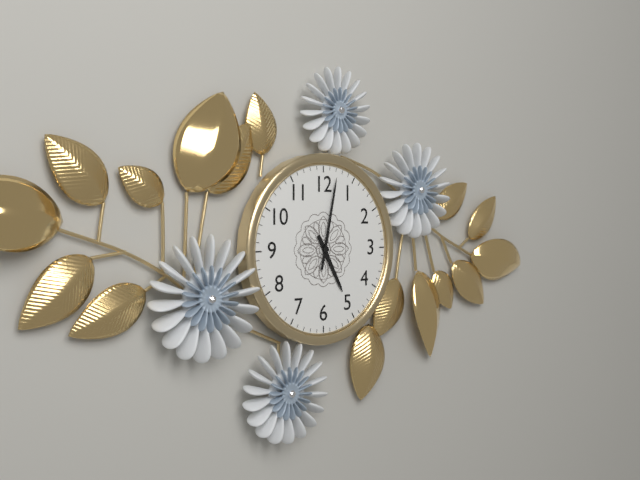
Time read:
5h02
